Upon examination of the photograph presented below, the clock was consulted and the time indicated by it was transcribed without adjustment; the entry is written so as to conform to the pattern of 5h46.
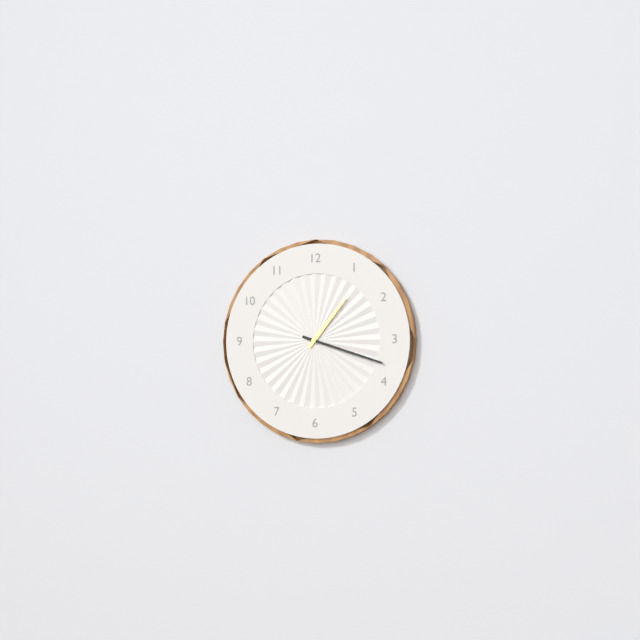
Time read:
1h18
